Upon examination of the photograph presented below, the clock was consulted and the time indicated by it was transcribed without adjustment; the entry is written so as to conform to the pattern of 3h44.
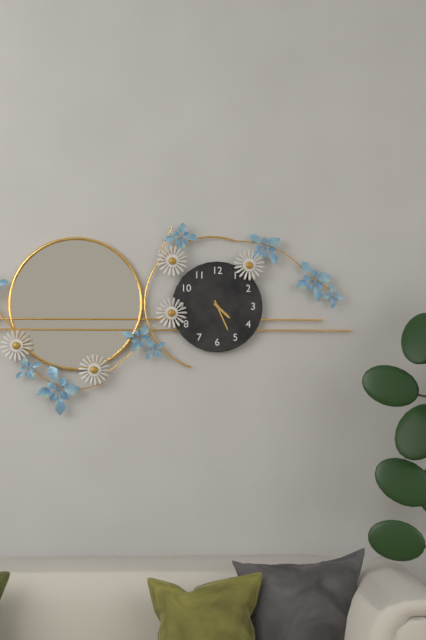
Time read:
4h26
